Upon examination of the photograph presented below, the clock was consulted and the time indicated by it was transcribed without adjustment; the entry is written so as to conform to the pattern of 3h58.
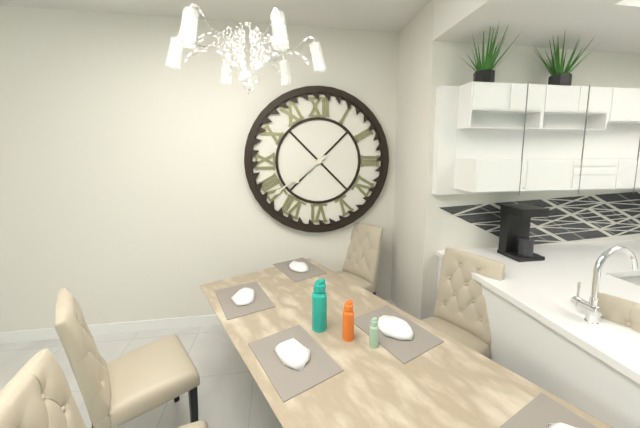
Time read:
7h39
